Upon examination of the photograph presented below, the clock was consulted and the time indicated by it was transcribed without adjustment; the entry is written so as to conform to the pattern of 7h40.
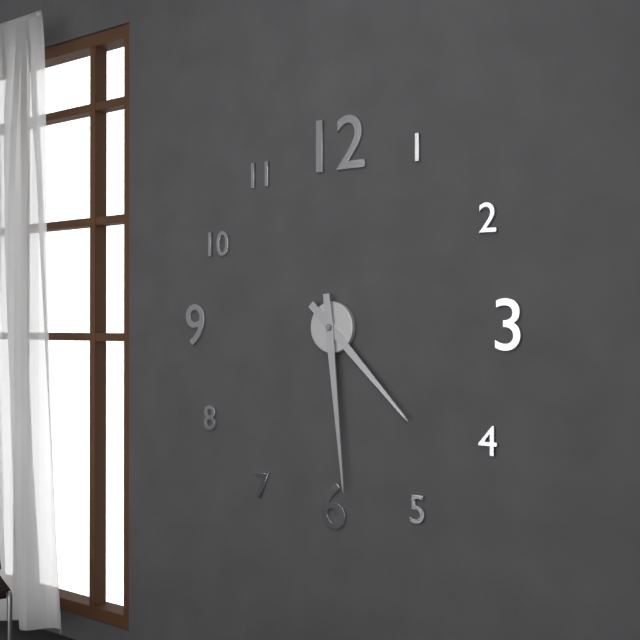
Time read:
4h29
